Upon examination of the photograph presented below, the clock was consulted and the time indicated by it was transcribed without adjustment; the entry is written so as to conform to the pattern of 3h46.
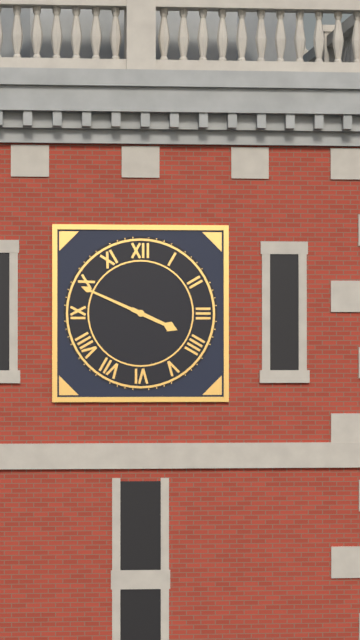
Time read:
3h49
